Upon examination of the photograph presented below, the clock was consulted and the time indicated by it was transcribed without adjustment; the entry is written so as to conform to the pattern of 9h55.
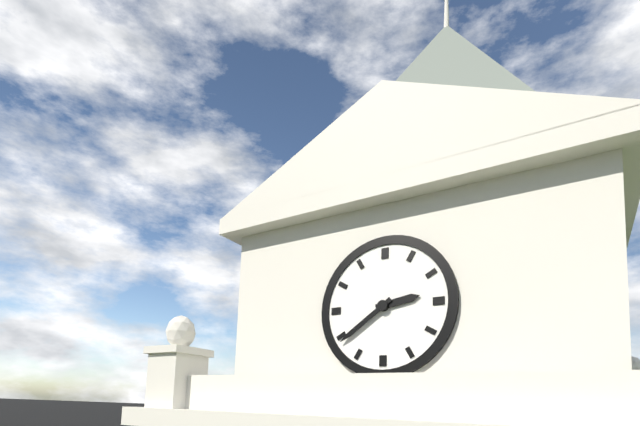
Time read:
2h39
